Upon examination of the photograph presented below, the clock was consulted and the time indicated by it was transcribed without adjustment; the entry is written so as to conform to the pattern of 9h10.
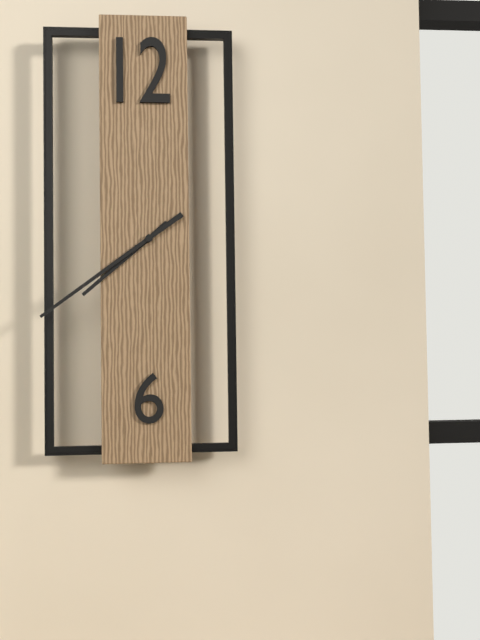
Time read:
7h39
